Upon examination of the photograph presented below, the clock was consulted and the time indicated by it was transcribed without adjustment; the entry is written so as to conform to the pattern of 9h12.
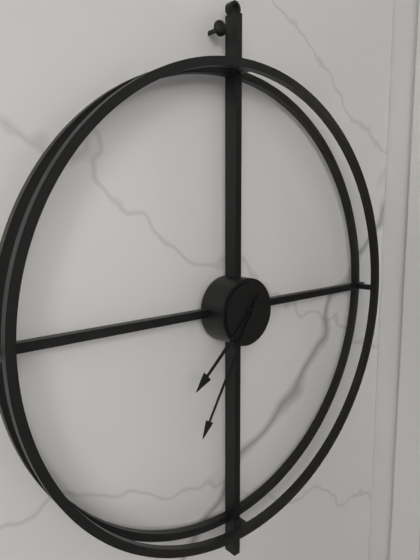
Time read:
7h35
